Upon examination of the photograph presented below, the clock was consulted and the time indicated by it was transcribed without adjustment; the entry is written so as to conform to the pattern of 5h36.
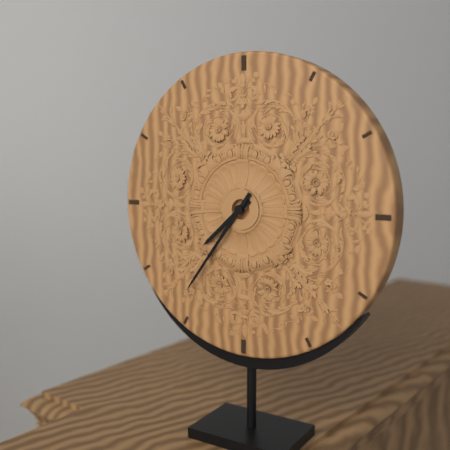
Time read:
7h36
